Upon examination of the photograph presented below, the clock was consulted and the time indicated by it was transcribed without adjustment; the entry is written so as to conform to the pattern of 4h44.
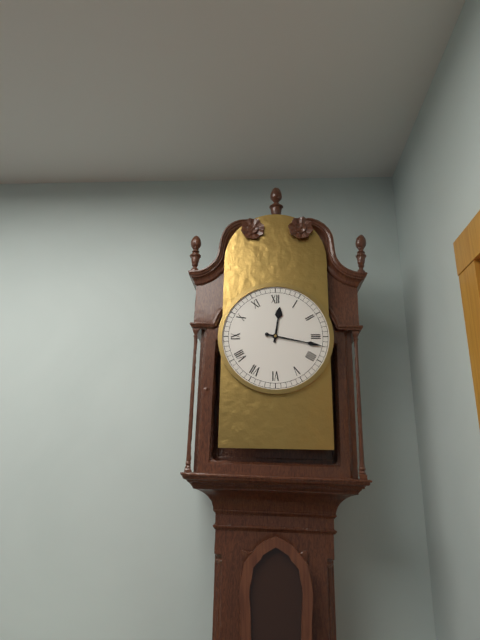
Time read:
12h17
